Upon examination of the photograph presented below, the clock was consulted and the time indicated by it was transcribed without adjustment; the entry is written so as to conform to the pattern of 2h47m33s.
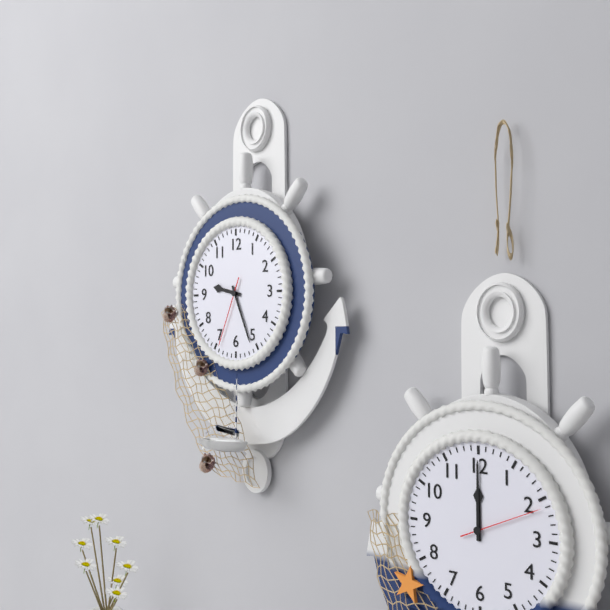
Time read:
9h26m34s
